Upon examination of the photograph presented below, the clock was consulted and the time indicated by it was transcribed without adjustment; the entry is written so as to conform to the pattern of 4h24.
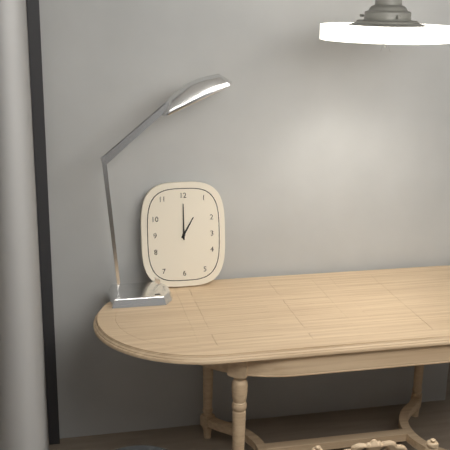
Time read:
1h00
